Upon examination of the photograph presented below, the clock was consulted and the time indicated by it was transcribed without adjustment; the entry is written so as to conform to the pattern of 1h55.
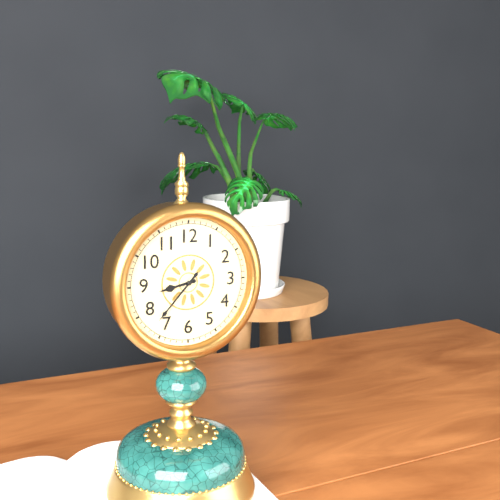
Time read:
8h37
